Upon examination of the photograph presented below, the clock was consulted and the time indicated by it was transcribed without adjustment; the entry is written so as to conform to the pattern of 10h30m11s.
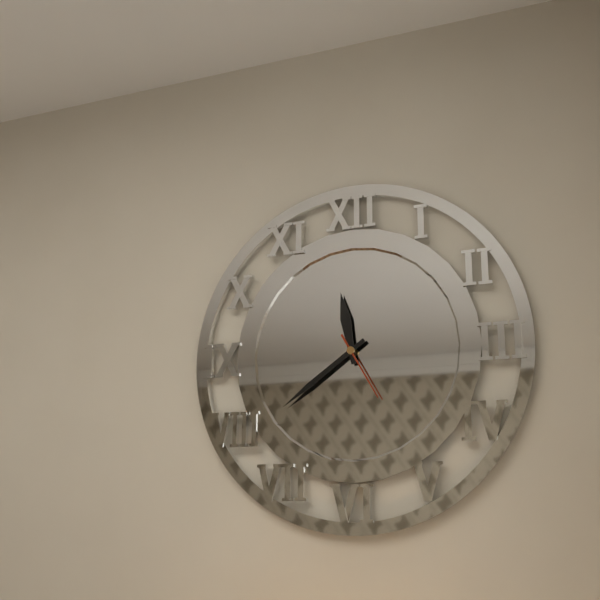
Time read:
11h39m25s
